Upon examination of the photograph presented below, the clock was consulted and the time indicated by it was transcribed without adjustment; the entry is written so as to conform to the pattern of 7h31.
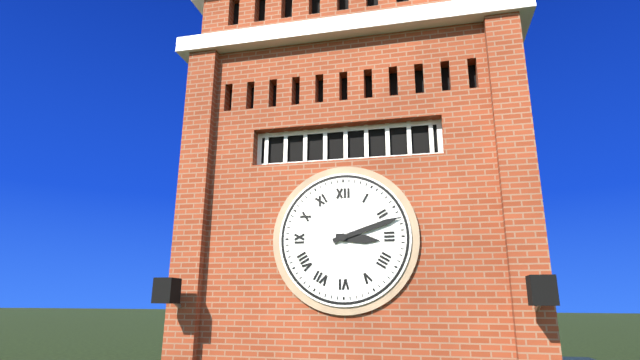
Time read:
3h12
